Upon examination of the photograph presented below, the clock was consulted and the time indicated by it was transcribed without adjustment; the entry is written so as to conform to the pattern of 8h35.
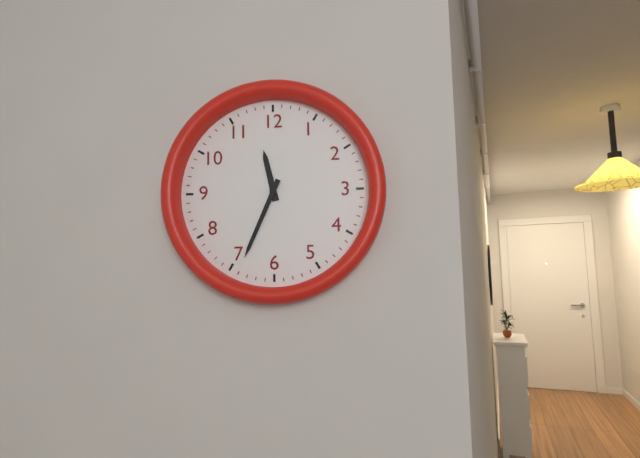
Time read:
11h34
